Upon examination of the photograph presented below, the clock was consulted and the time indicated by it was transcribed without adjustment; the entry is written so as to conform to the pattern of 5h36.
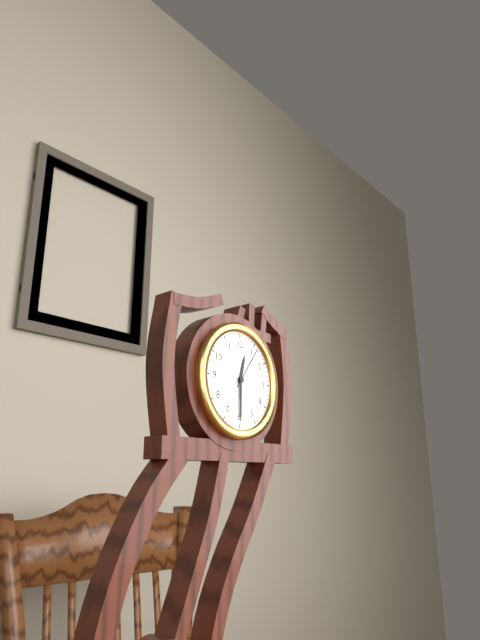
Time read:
12h30
